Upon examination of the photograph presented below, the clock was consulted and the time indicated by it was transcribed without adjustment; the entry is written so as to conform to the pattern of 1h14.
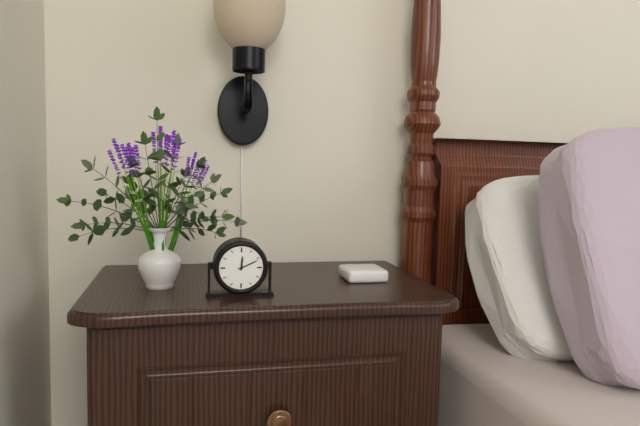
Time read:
12h11
